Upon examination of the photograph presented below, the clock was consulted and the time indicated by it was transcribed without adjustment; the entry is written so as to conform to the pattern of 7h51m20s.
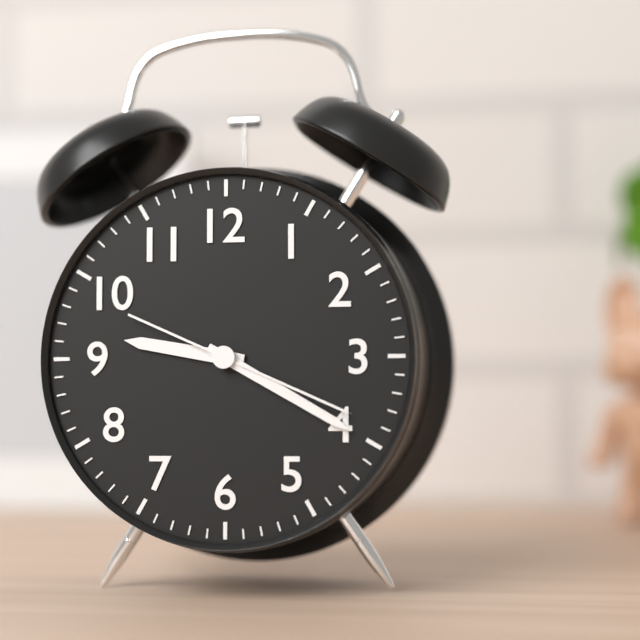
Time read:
9h20m19s
